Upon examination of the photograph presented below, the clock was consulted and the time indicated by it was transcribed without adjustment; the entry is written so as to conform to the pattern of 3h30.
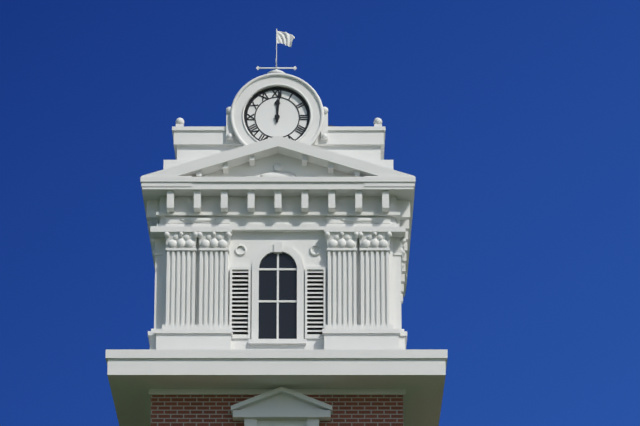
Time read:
12h01
